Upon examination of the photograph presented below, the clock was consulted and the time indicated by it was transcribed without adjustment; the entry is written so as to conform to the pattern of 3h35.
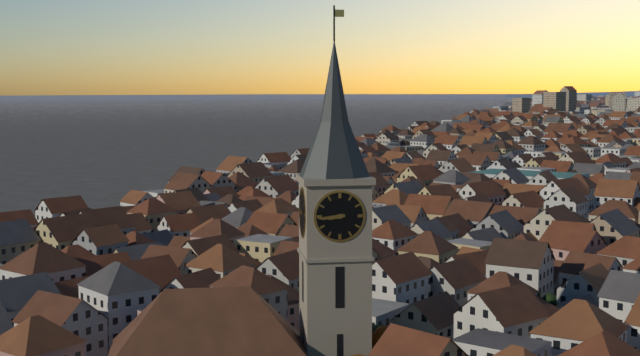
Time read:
8h44
